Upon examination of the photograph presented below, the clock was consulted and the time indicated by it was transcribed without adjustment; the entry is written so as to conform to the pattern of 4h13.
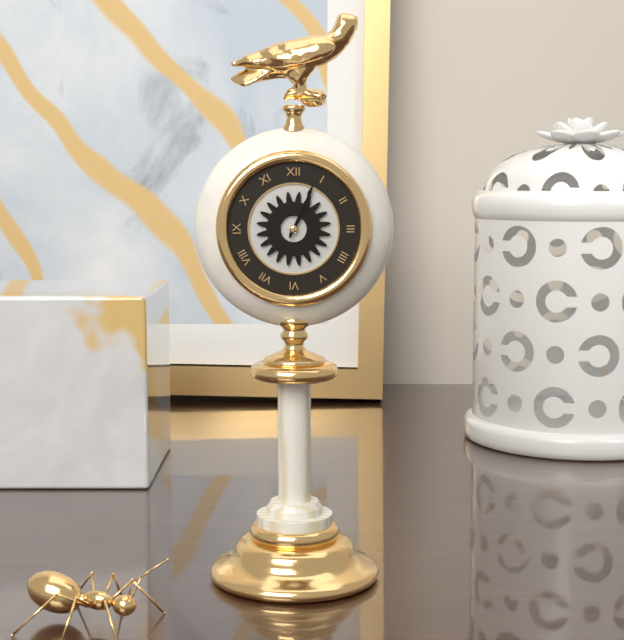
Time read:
1h04
